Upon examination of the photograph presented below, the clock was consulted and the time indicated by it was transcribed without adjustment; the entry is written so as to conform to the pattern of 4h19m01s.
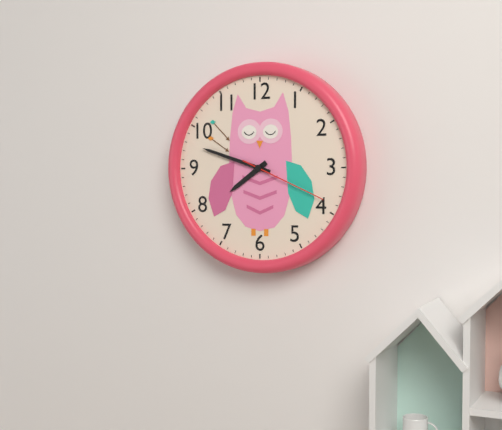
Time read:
7h48m19s
